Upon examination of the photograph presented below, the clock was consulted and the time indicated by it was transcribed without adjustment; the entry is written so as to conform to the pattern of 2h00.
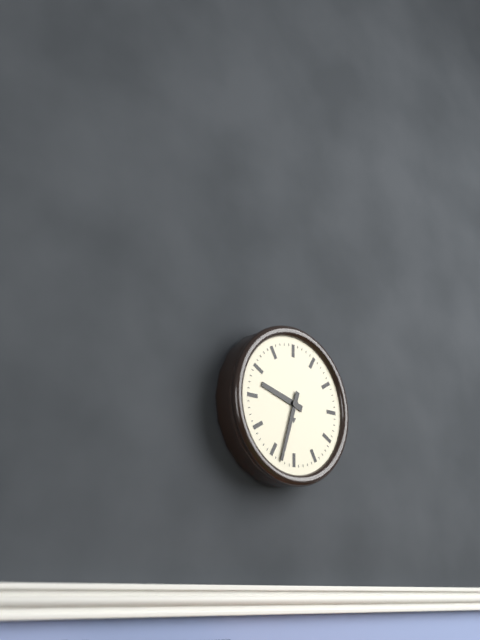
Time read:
9h33
